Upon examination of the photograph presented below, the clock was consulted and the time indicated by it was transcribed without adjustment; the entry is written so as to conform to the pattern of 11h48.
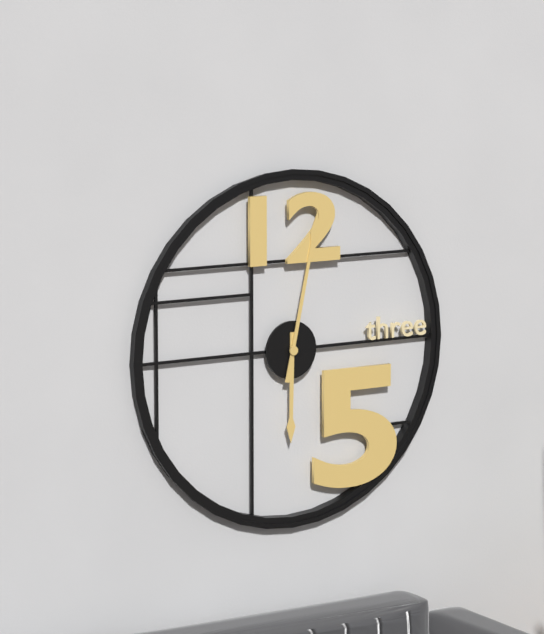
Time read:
6h02
